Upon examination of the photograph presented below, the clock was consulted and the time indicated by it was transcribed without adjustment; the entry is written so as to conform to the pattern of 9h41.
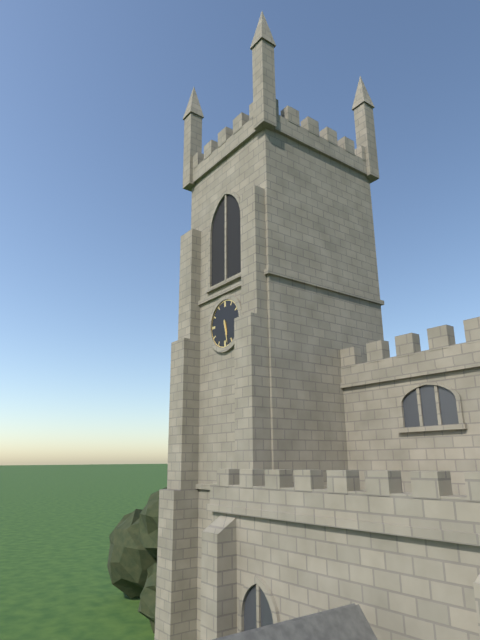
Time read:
5h28
